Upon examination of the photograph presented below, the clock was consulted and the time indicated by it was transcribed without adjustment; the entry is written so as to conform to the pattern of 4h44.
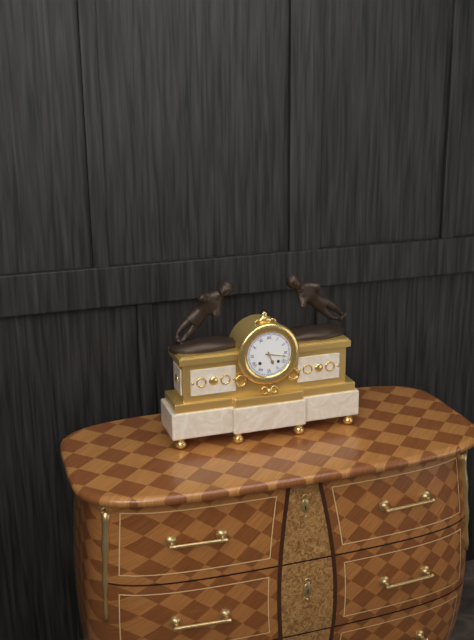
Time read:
5h17
